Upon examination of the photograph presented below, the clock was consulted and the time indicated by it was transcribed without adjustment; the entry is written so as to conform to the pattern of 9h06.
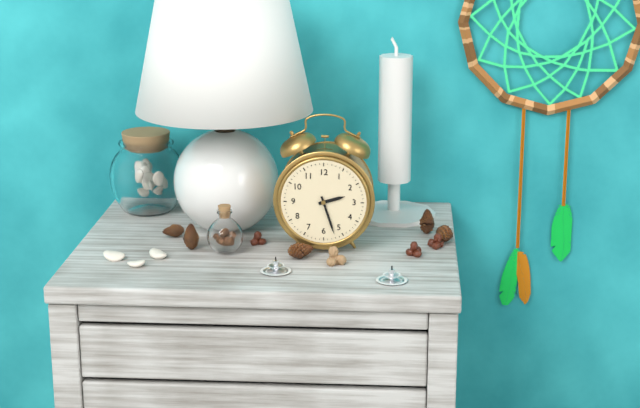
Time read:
2h27
